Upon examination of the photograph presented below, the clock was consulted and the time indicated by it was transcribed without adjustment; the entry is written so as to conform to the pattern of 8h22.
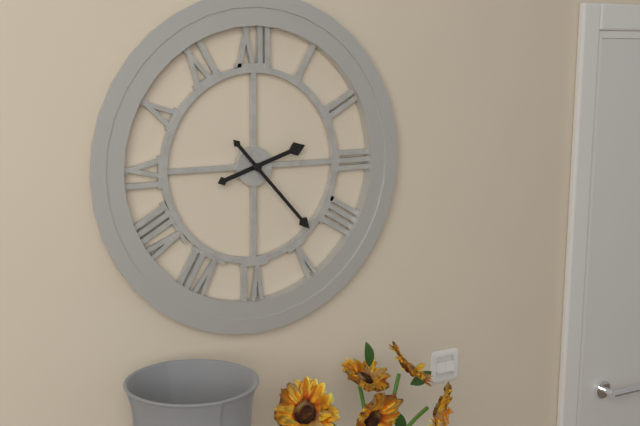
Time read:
2h23
